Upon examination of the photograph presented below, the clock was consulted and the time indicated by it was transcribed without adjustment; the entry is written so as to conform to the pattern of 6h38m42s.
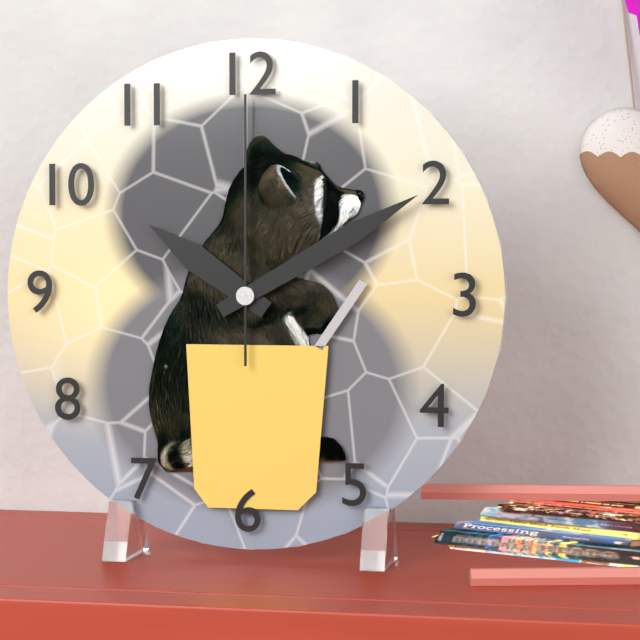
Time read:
10h10m00s
